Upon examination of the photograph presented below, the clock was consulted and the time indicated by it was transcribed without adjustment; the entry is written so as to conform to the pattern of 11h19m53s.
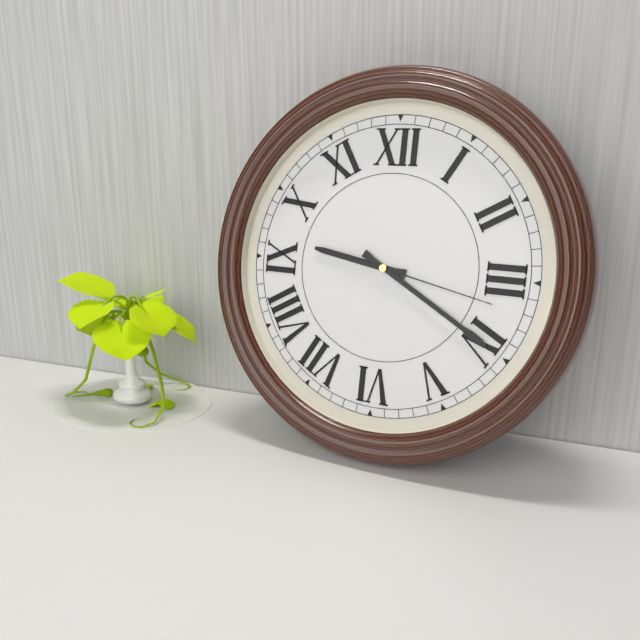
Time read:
9h20m17s
